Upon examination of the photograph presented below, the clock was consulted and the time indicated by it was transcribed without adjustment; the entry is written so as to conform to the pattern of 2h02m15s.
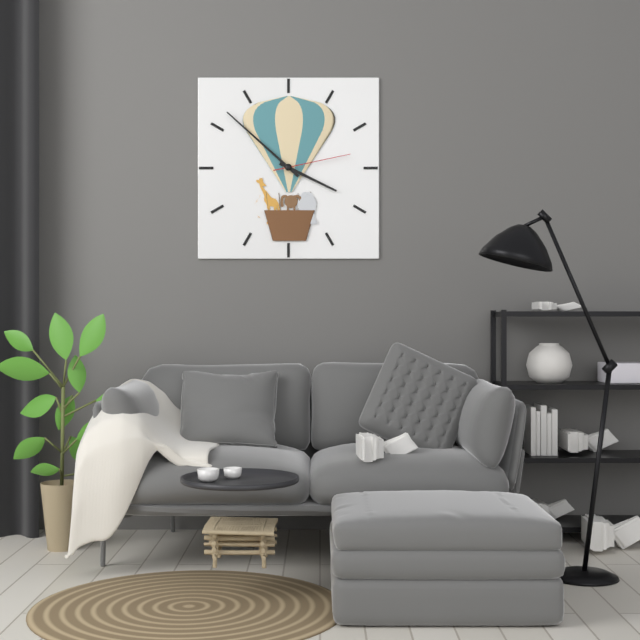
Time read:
3h52m13s
